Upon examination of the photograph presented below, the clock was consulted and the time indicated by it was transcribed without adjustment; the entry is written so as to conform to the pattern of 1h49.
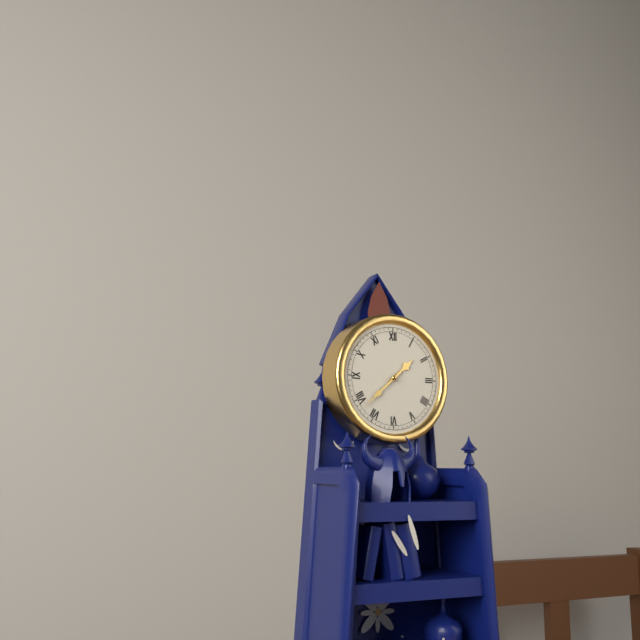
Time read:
1h38
